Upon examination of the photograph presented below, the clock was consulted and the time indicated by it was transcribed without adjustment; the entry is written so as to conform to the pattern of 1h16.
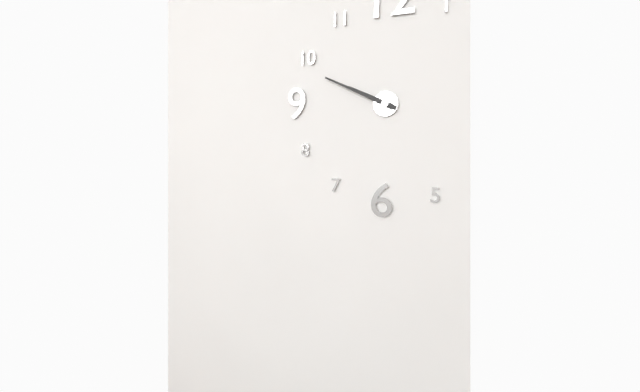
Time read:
9h49
